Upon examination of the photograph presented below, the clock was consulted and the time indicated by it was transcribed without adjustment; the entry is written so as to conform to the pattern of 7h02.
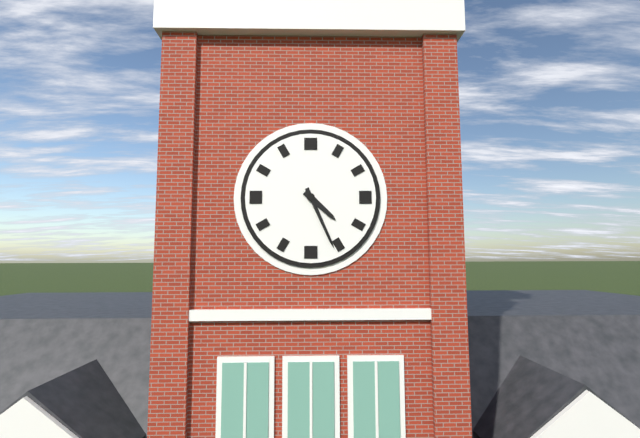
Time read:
4h26
